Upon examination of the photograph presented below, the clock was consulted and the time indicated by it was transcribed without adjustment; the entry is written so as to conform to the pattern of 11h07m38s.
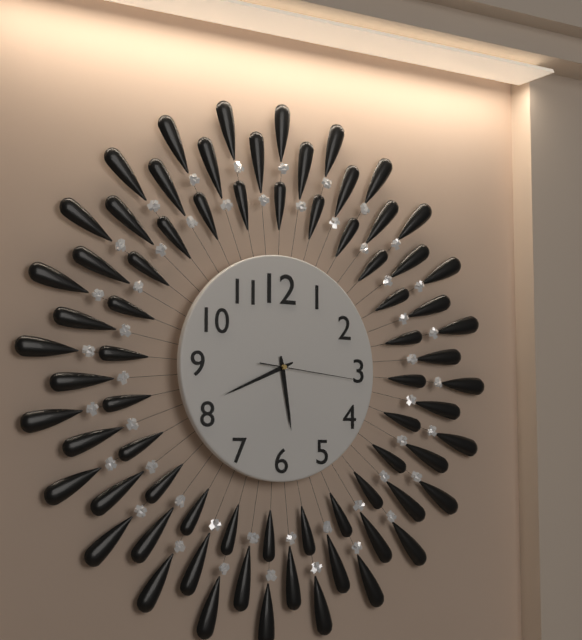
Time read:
5h41m16s
